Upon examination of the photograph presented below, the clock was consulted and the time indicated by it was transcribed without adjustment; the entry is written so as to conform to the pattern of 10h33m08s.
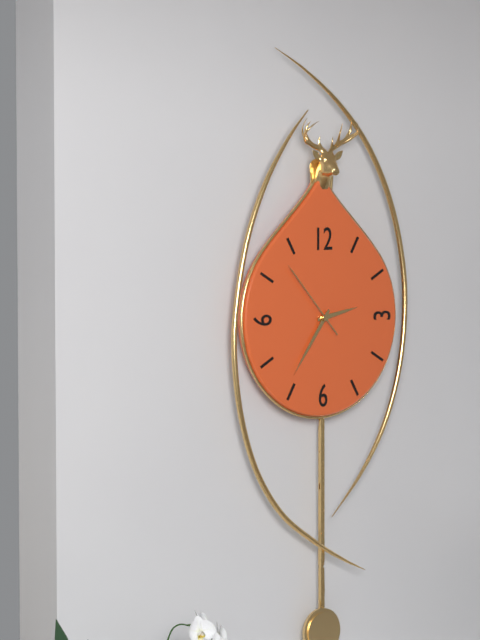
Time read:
2h36m53s
